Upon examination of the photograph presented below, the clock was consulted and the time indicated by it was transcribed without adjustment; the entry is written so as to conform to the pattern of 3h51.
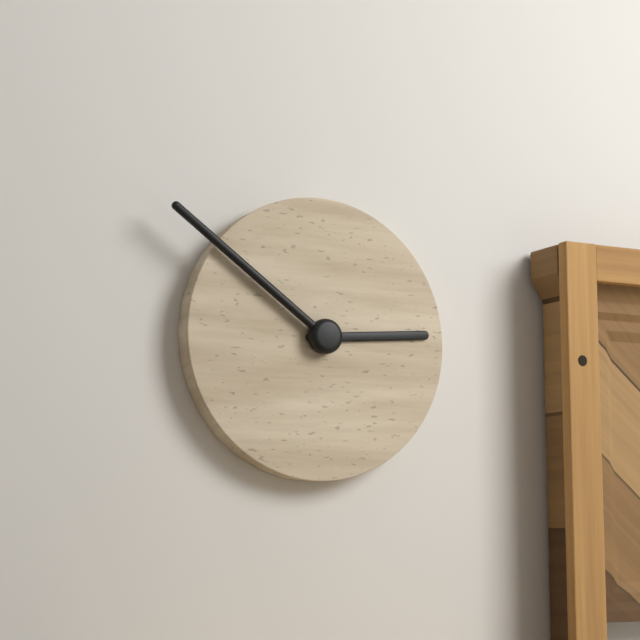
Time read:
2h51
